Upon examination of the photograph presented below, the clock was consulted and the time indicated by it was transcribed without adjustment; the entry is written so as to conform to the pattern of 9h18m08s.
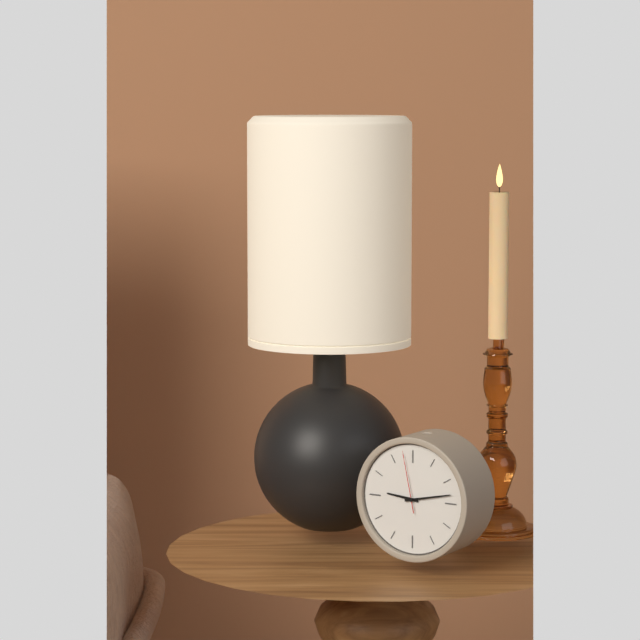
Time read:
9h13m58s
